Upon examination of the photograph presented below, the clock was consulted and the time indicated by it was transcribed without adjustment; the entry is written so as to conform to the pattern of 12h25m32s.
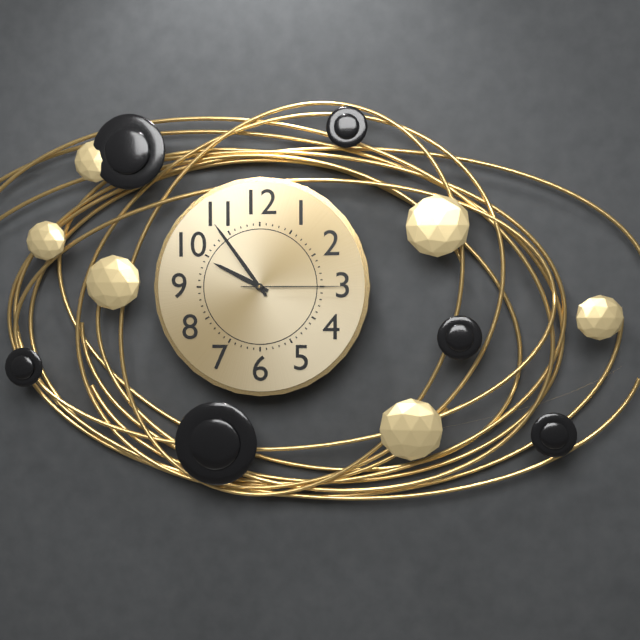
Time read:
9h54m15s
